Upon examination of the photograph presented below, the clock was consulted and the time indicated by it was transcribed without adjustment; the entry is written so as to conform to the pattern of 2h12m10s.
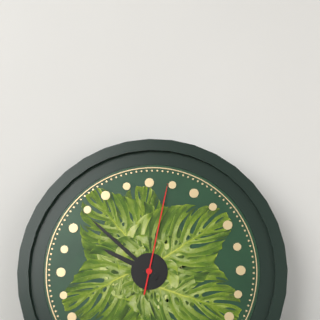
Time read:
9h52m02s
